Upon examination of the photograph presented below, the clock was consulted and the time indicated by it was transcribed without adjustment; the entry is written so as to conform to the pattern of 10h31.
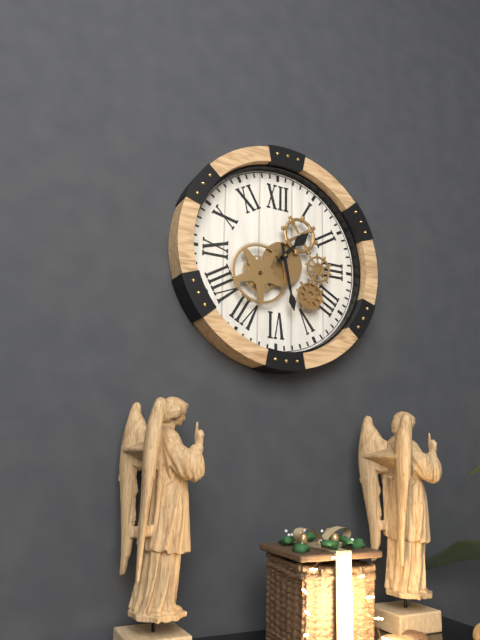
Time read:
1h28
